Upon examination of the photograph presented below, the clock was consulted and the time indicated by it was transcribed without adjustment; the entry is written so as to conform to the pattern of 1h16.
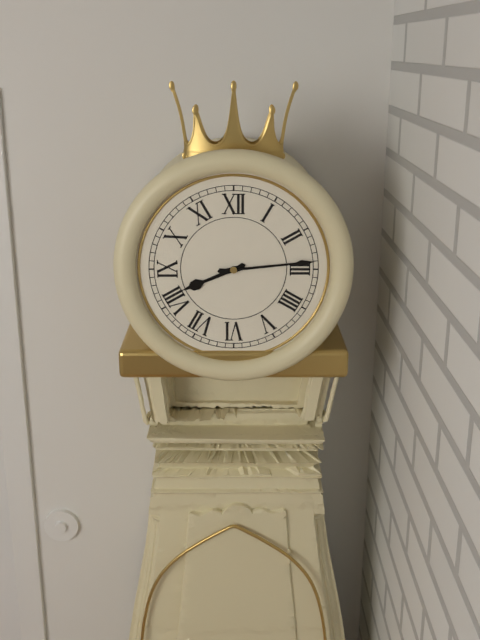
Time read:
8h14
